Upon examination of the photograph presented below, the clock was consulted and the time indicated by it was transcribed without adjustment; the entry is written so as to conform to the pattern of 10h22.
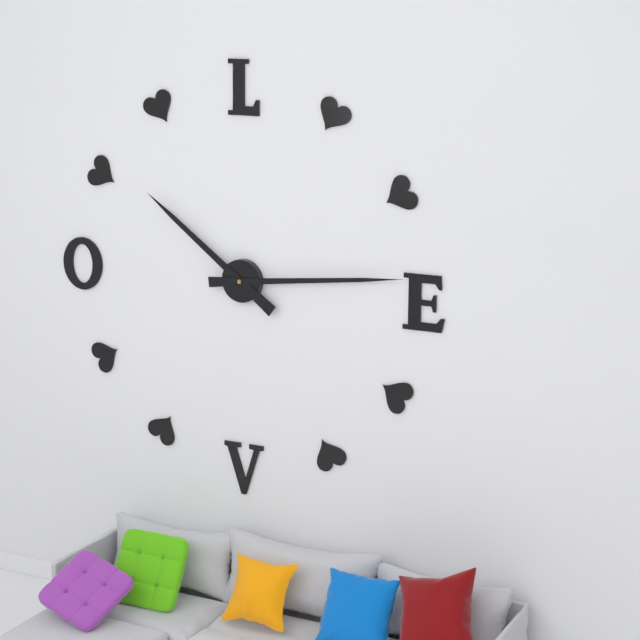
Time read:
10h14
